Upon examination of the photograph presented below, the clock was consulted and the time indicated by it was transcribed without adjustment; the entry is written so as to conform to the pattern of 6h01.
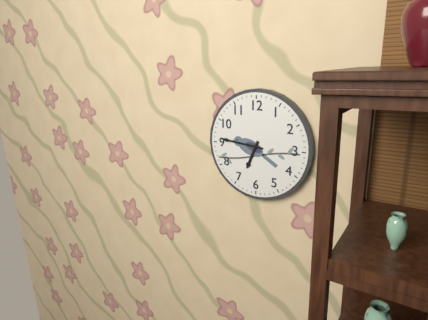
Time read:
6h46
